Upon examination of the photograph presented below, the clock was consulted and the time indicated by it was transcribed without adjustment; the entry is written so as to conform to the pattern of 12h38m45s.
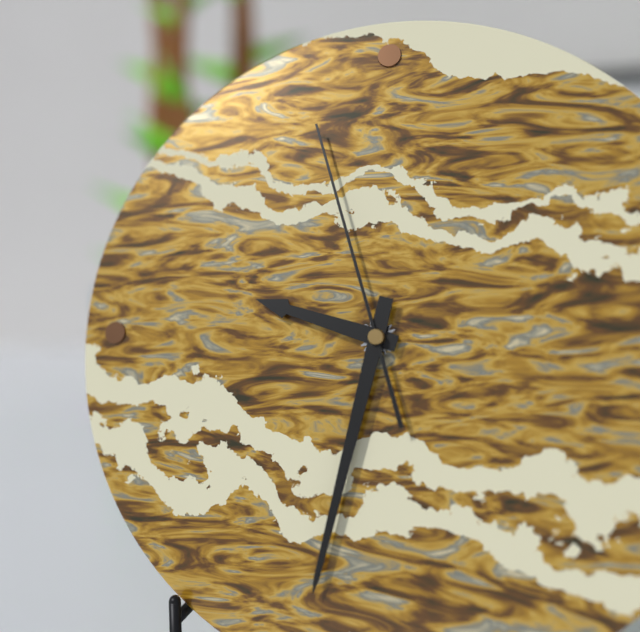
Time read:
9h32m57s
